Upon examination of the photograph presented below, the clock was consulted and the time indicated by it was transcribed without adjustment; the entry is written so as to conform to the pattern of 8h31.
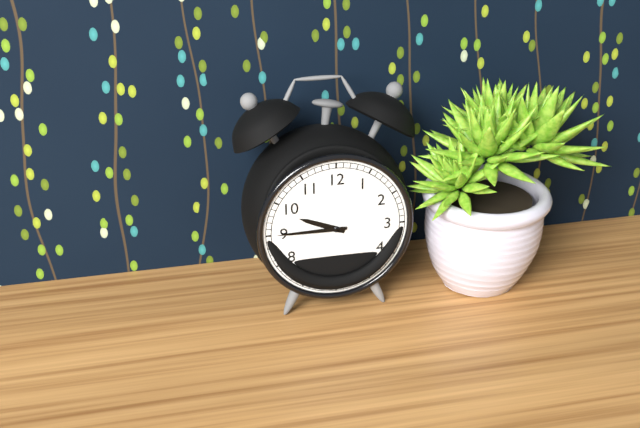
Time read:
9h45
